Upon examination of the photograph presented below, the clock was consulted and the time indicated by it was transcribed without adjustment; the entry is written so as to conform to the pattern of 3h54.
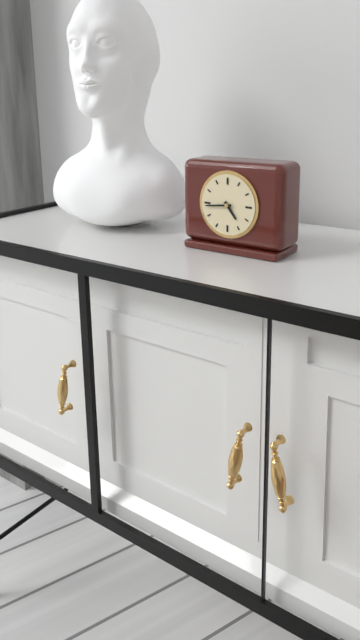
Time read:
4h44
